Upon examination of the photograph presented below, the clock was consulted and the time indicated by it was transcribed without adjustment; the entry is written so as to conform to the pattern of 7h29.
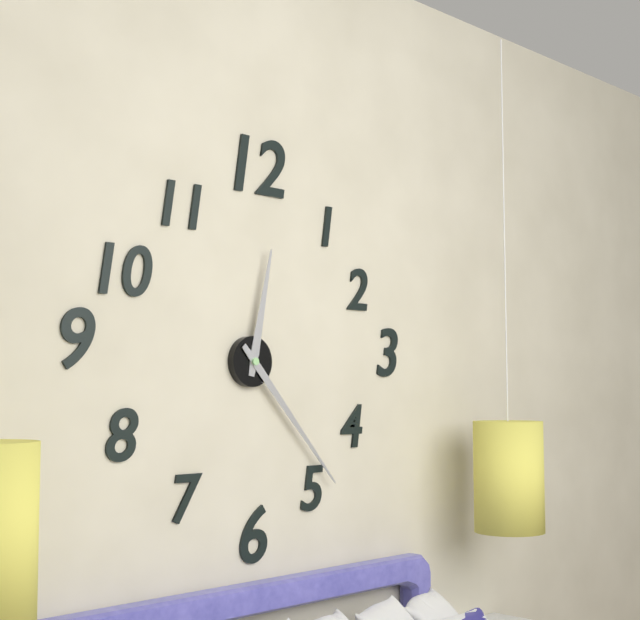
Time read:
12h23
